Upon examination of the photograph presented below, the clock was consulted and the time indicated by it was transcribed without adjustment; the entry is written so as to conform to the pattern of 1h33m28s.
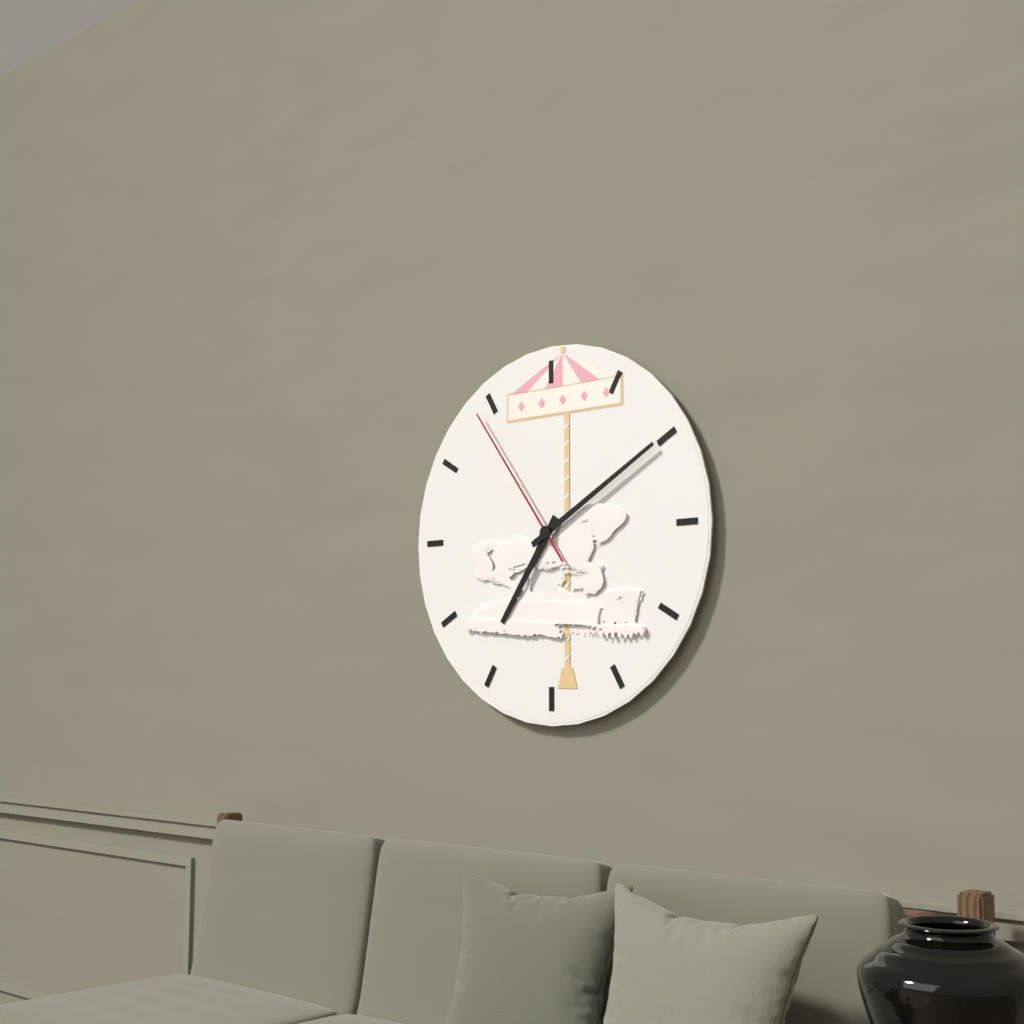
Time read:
7h10m54s
